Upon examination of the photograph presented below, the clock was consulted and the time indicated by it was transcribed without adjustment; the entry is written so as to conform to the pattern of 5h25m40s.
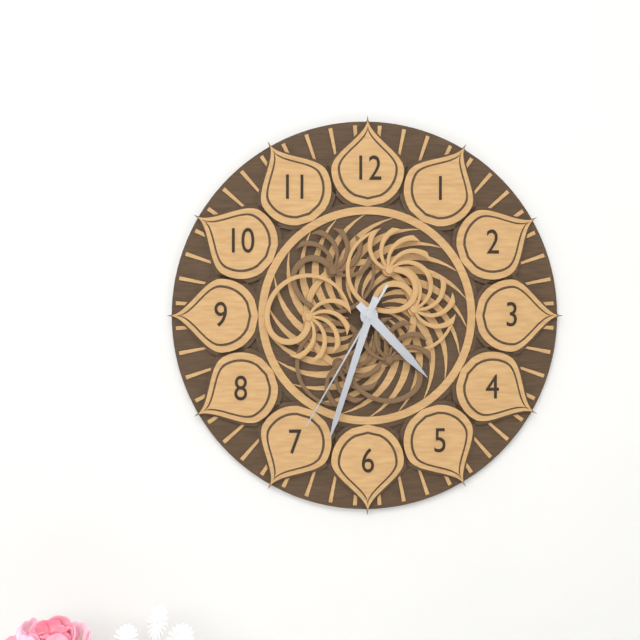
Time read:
4h33m35s
